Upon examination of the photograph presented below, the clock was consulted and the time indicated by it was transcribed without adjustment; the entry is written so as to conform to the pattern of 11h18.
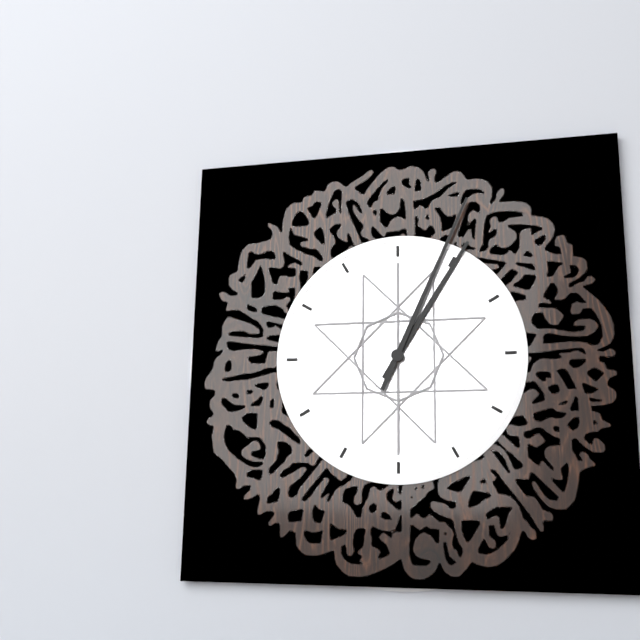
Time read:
1h04
